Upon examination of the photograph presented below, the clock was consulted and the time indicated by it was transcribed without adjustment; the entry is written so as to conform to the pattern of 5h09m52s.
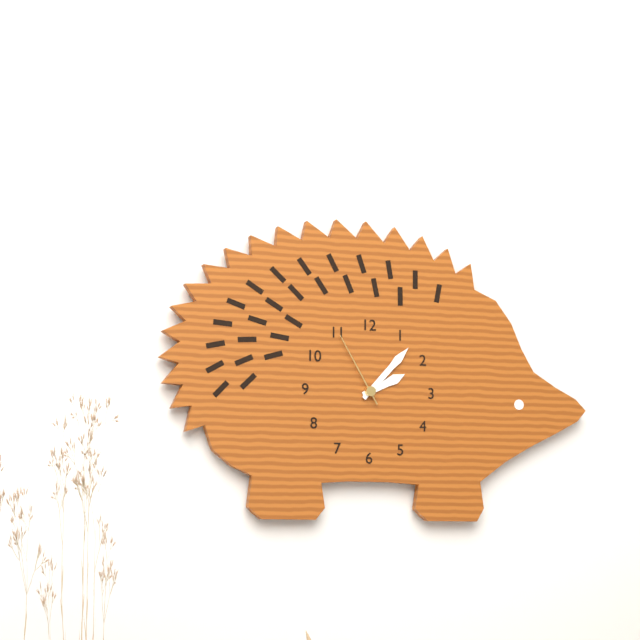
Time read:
2h07m55s
